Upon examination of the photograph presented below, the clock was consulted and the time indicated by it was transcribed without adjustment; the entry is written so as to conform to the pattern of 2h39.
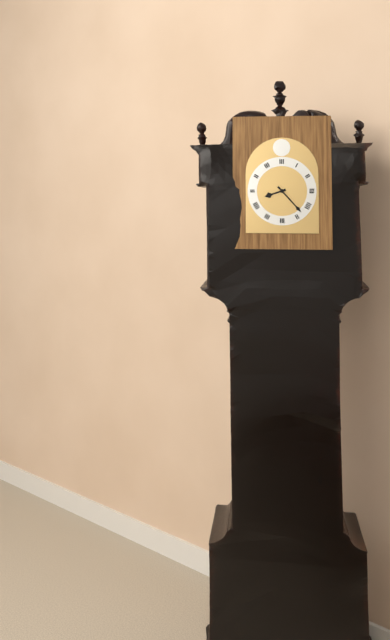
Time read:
8h23
